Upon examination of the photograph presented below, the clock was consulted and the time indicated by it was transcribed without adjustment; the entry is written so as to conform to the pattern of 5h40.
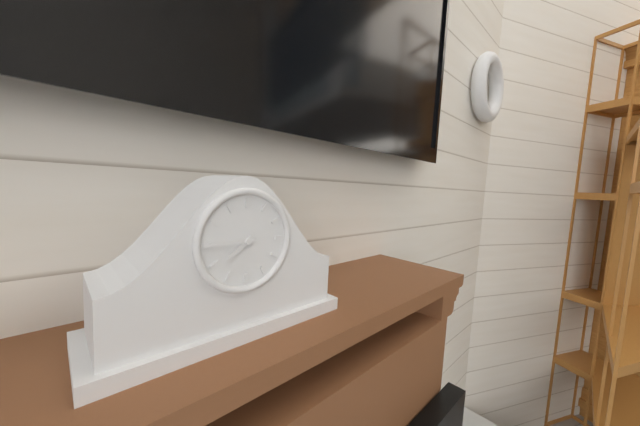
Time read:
7h45
